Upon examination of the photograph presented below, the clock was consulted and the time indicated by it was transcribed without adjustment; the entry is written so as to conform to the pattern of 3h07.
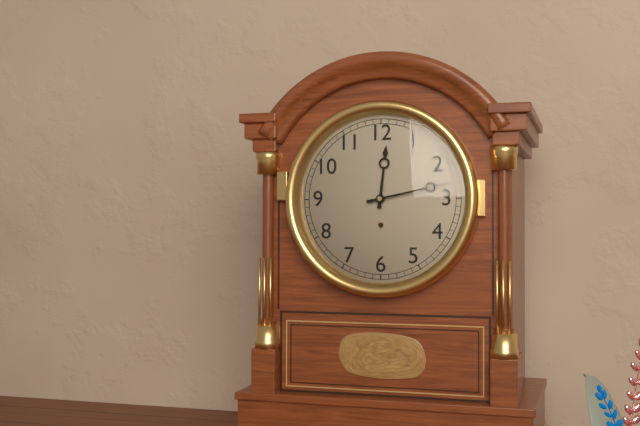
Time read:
12h13
